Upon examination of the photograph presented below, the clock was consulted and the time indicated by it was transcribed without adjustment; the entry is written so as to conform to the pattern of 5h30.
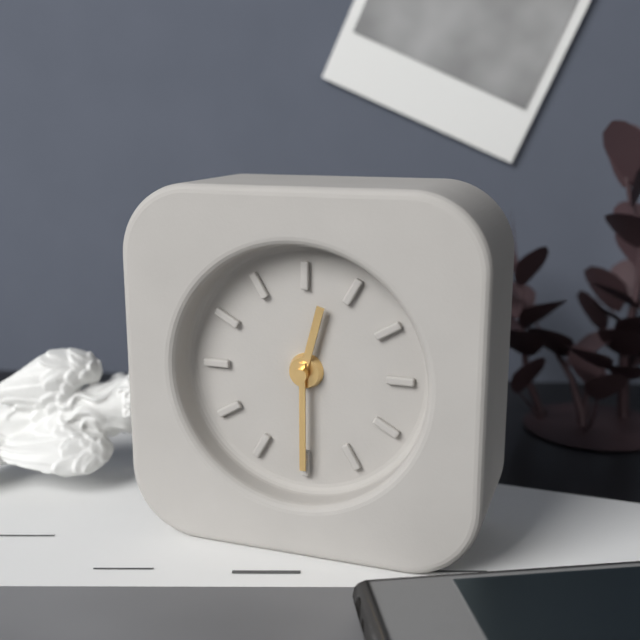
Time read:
12h30
